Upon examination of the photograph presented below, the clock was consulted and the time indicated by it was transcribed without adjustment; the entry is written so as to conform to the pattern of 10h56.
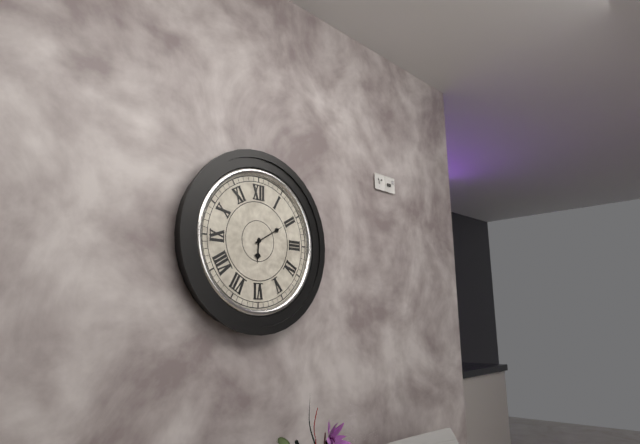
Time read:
6h10
